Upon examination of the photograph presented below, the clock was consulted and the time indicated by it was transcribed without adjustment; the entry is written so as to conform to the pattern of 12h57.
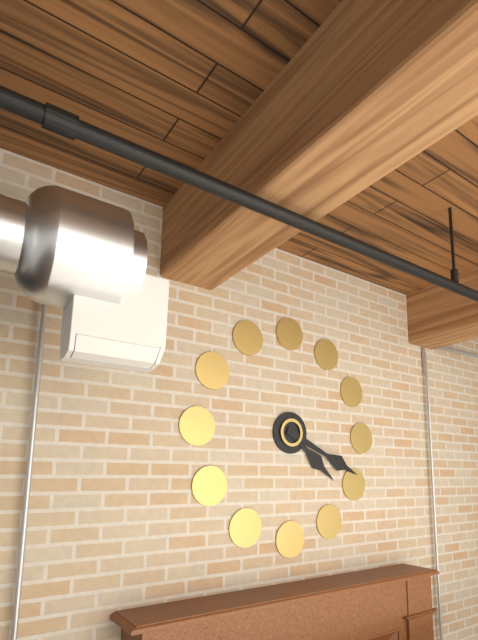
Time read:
4h19
